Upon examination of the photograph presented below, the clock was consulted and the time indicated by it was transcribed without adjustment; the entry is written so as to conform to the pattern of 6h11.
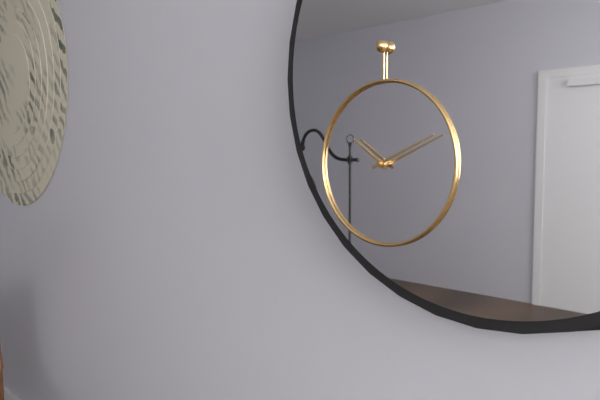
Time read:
10h11
